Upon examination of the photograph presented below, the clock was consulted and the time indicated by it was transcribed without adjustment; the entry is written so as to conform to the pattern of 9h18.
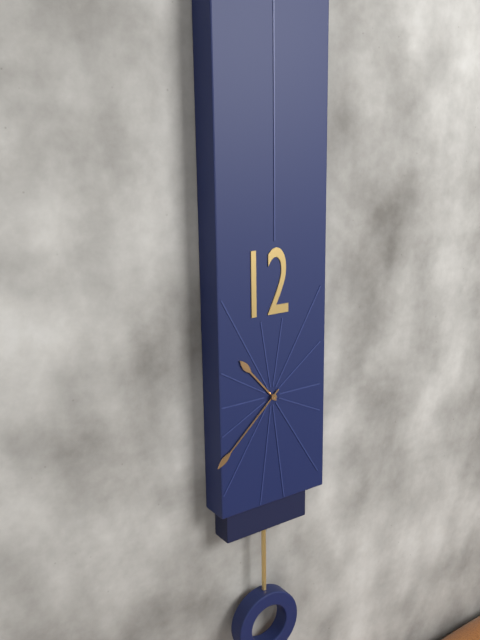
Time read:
10h38
